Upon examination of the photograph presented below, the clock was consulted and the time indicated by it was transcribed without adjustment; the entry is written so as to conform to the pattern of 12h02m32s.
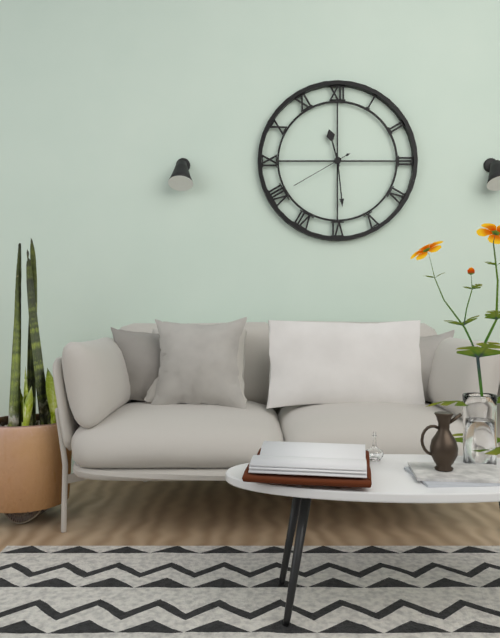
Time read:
11h29m40s
